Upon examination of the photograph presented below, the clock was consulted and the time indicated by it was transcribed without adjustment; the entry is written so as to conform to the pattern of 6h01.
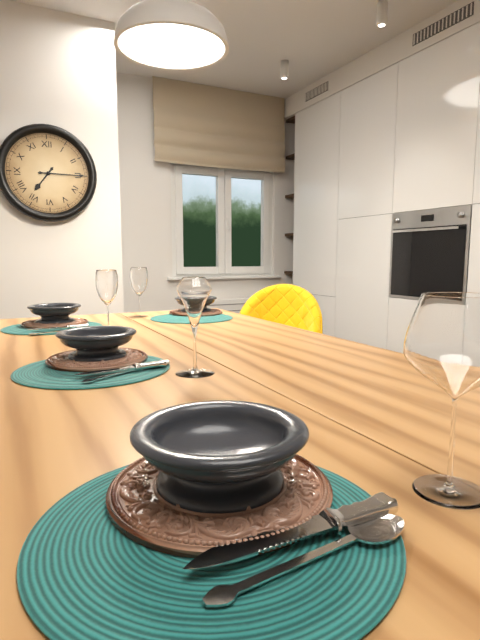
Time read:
7h15
